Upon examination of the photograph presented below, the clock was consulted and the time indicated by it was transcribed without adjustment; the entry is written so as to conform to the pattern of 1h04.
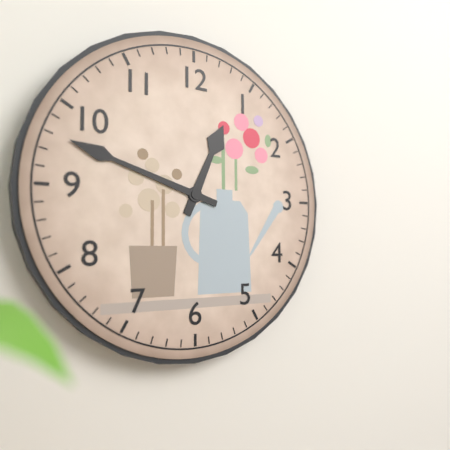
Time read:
12h48
